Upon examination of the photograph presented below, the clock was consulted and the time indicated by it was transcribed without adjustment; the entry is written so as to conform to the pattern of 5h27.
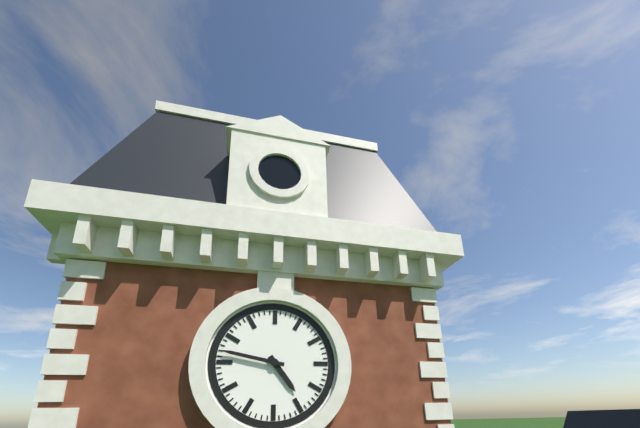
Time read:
4h47
